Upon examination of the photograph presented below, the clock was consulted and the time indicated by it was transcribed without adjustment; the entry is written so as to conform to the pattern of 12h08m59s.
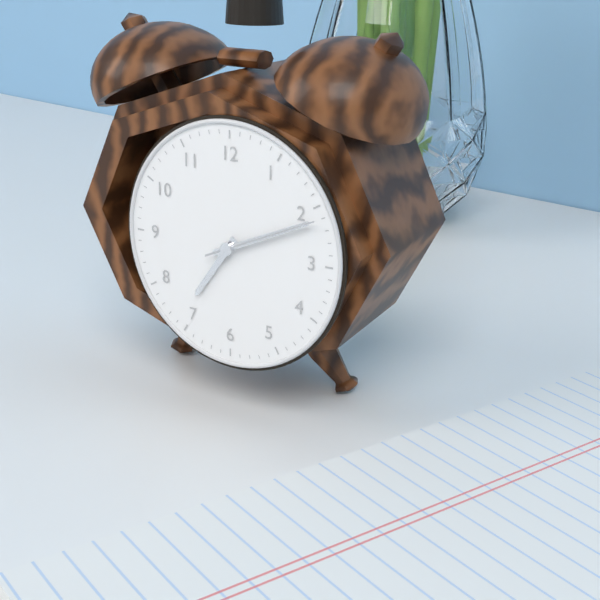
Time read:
7h11m11s
